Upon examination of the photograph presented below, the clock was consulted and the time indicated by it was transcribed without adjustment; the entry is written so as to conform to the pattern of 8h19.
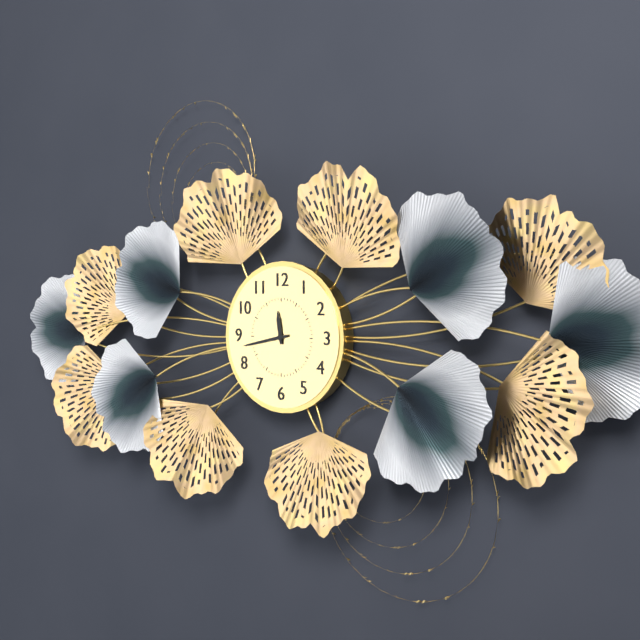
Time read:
11h43
